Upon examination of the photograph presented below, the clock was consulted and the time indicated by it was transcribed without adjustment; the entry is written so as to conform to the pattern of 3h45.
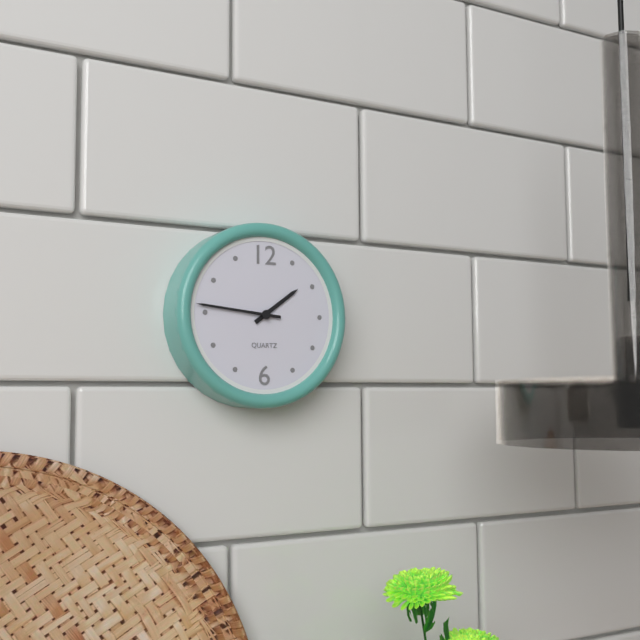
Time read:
1h46
